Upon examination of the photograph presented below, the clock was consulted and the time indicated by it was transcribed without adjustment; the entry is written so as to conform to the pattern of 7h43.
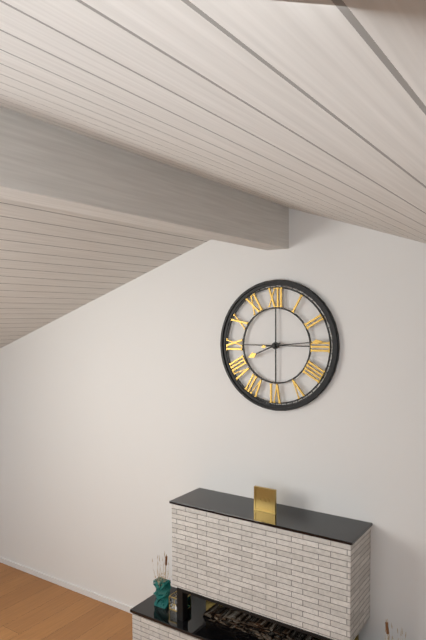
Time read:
8h14
